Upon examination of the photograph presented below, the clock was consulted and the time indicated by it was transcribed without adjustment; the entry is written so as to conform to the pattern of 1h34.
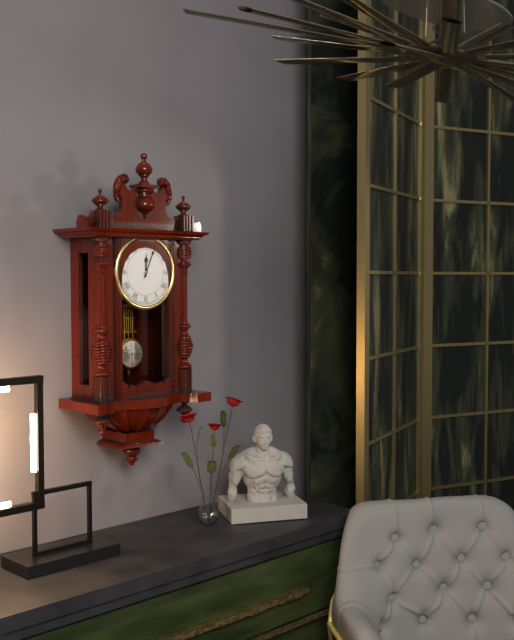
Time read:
12h04
